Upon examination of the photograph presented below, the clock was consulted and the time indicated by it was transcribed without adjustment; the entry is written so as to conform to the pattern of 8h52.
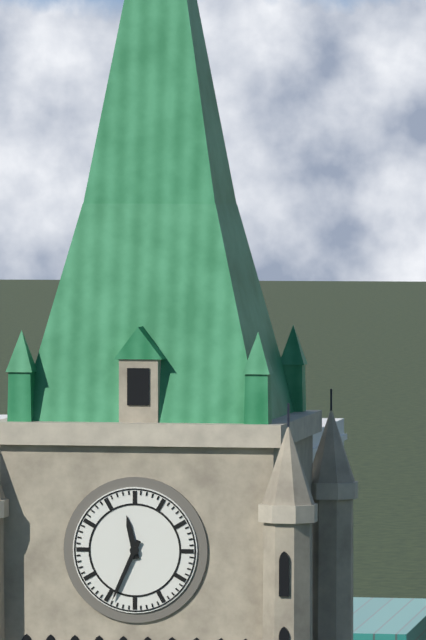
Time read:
11h34
